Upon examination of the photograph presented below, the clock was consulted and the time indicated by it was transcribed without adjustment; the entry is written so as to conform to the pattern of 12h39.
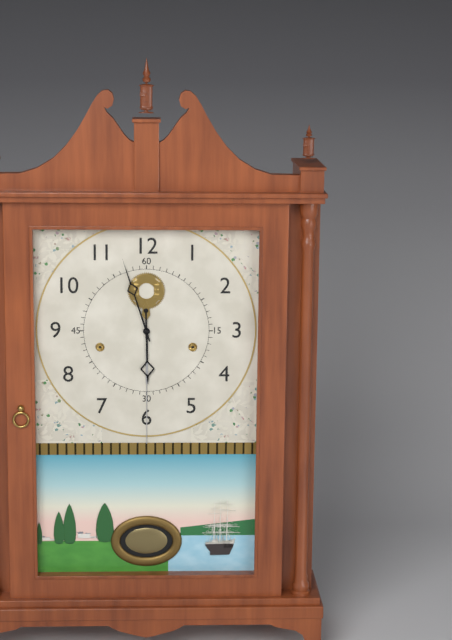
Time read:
5h57
